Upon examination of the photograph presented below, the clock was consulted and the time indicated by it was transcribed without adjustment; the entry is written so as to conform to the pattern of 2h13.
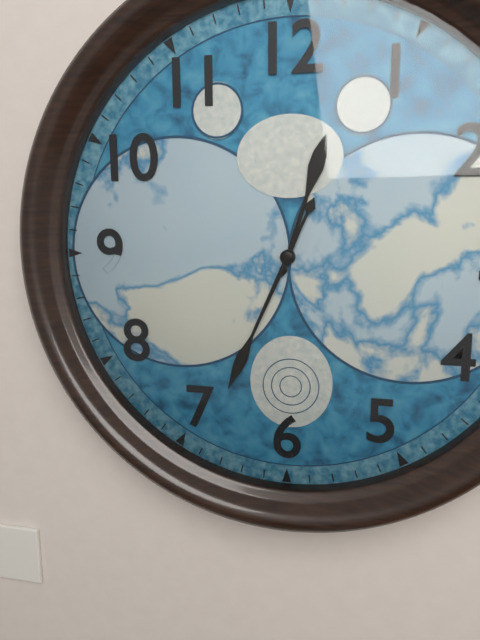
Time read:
12h34
